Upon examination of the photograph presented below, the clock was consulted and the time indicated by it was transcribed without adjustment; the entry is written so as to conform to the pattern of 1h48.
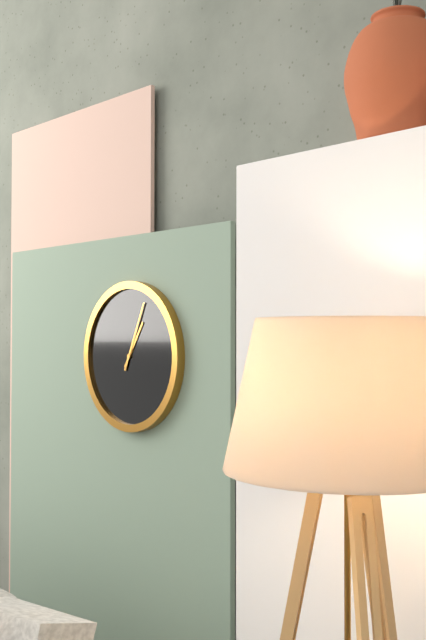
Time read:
1h04
